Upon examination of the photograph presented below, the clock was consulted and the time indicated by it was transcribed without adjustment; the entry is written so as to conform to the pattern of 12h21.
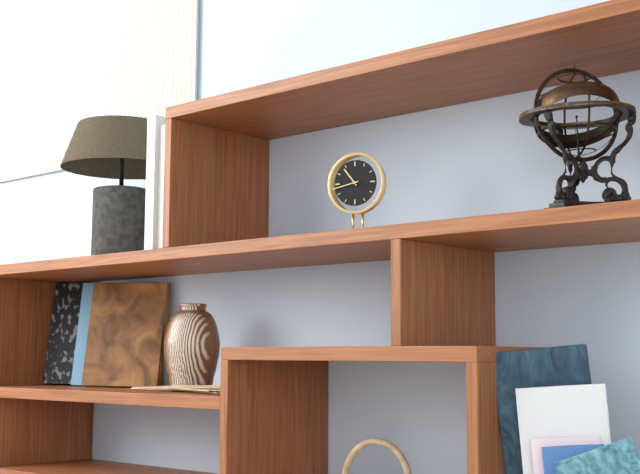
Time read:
10h43
